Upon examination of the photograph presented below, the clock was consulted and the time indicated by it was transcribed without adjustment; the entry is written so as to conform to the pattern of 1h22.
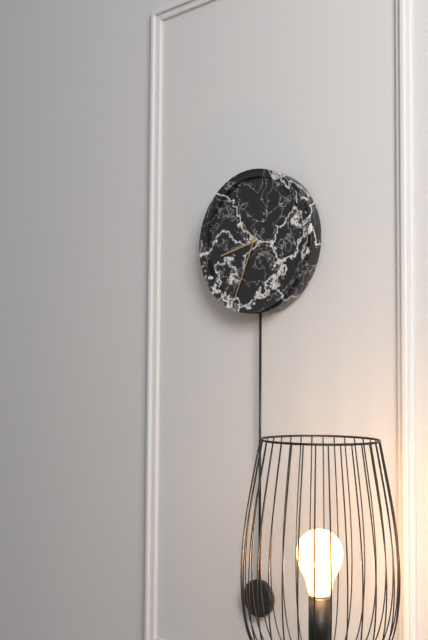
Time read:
8h34
